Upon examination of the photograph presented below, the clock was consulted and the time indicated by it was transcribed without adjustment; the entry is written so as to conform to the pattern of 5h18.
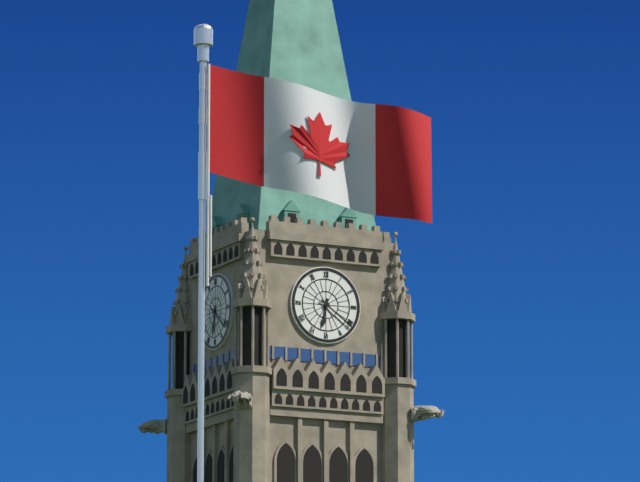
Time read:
6h21
